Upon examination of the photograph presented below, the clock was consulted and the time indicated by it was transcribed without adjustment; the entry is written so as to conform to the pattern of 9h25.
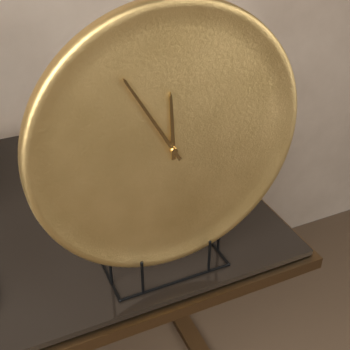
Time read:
11h55
